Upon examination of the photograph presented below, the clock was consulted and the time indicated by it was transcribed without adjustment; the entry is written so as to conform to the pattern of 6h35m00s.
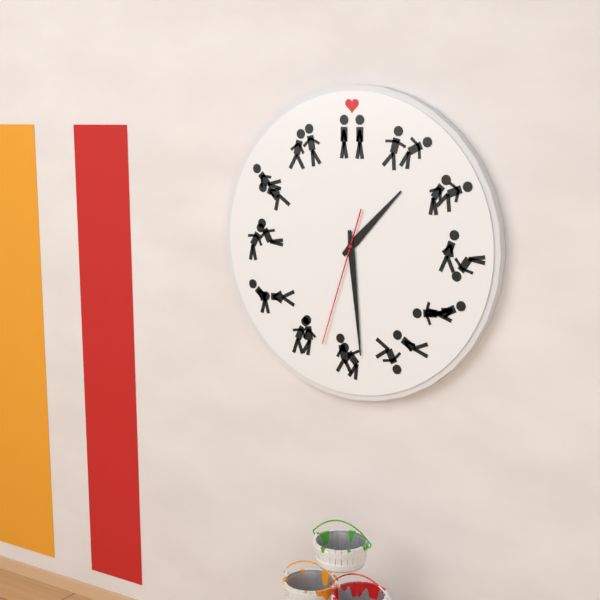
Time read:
1h29m33s
